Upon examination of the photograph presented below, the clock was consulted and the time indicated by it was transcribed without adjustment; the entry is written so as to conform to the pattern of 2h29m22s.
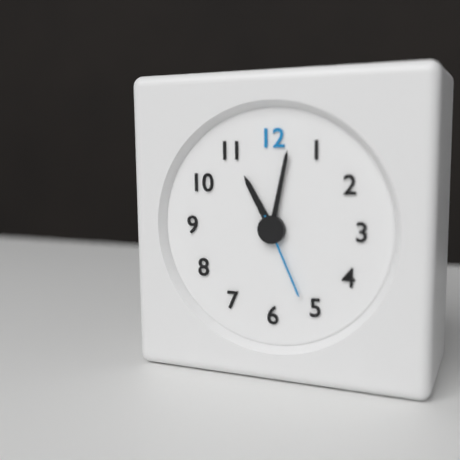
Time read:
11h02m26s
